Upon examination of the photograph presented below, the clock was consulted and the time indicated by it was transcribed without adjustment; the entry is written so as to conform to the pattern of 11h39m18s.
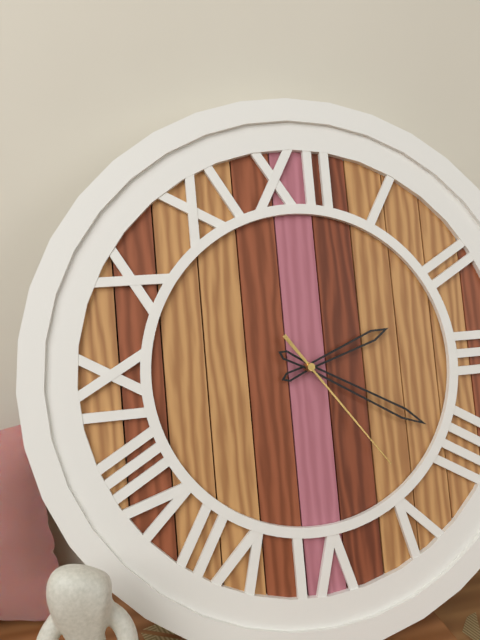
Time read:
2h20m24s
